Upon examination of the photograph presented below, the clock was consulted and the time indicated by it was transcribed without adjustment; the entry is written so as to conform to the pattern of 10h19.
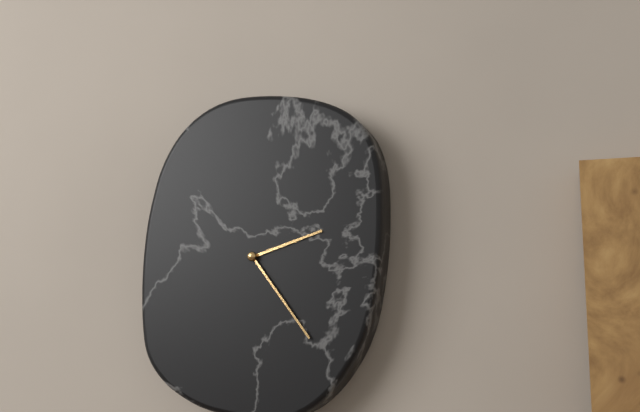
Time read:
2h24
